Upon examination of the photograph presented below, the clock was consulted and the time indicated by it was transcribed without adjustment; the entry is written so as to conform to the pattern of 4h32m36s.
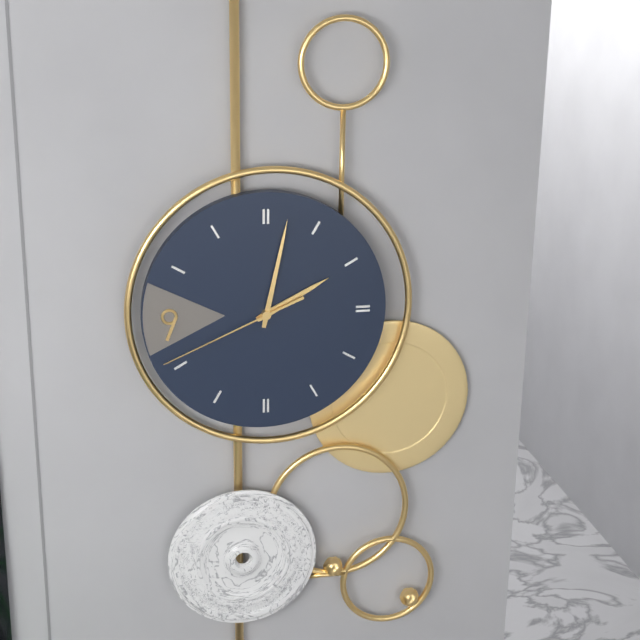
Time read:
2h02m41s
